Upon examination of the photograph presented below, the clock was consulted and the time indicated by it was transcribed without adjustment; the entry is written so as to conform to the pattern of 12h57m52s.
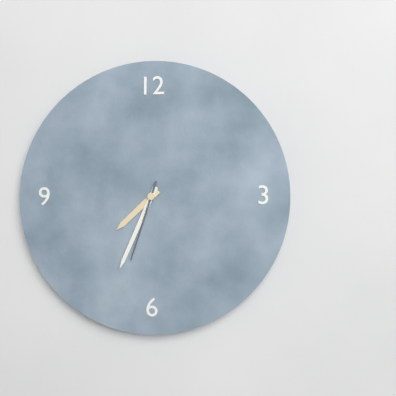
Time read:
7h34m33s
